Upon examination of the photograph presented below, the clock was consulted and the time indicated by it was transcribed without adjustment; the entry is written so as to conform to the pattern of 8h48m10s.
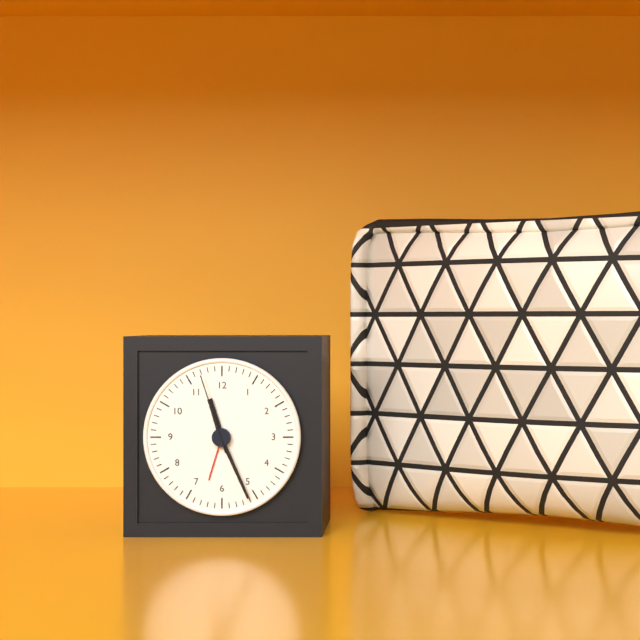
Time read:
11h26m57s
